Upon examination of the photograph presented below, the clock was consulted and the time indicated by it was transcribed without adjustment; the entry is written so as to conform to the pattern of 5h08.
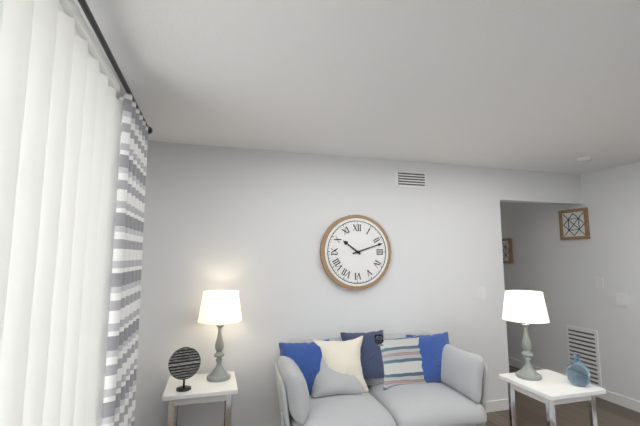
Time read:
10h12
